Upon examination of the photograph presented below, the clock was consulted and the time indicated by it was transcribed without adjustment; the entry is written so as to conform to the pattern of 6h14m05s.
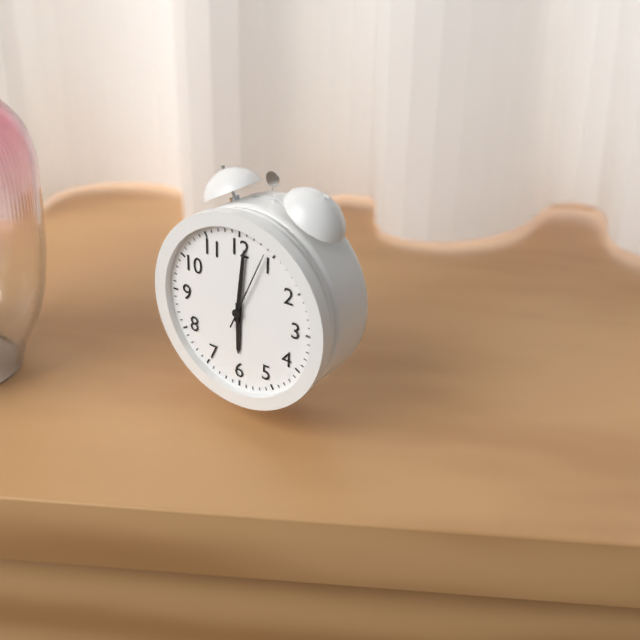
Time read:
6h01m04s
